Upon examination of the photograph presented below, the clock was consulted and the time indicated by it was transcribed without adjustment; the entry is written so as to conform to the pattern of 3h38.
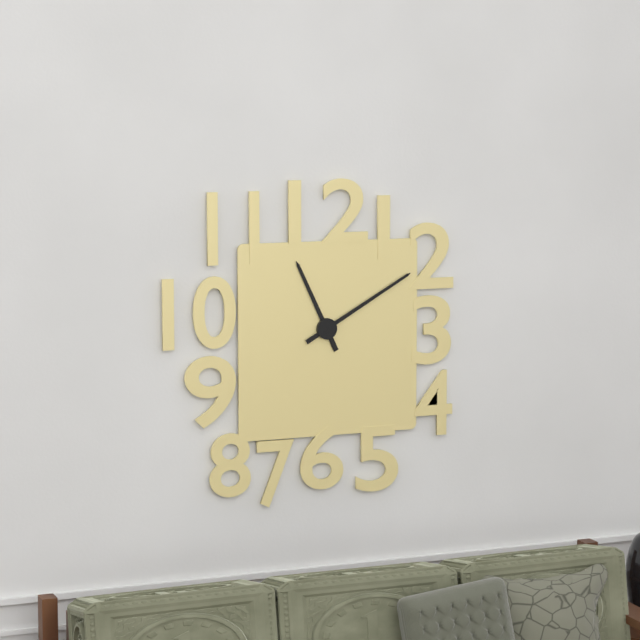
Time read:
11h10
